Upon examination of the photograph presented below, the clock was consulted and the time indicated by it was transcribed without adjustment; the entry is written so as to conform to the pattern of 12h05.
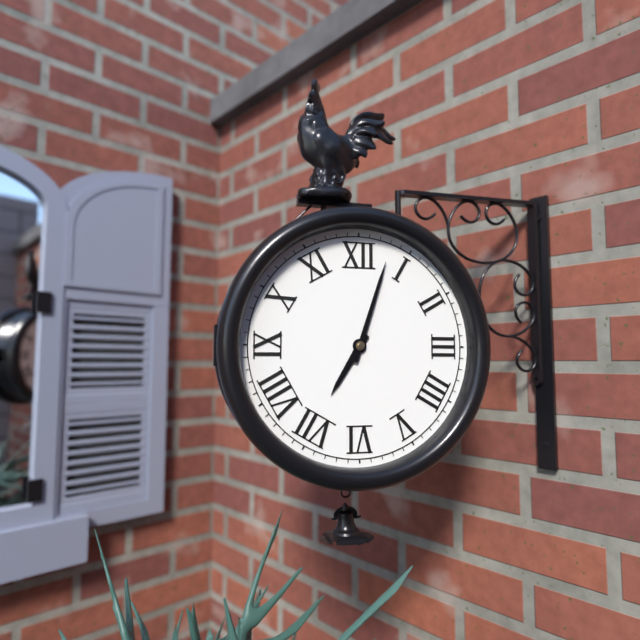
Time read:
7h03
